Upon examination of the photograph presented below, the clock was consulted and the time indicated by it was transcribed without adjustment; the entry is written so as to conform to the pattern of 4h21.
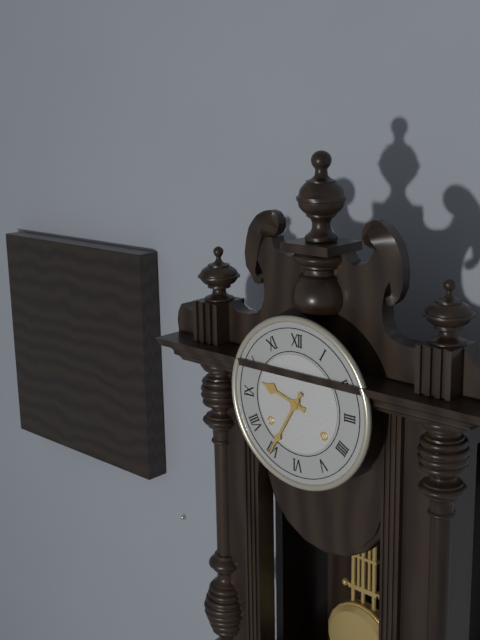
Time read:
9h35
